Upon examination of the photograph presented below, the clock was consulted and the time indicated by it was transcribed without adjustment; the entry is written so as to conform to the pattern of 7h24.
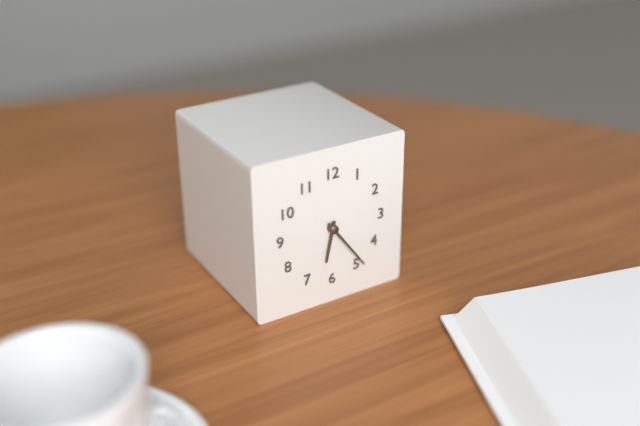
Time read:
6h24
